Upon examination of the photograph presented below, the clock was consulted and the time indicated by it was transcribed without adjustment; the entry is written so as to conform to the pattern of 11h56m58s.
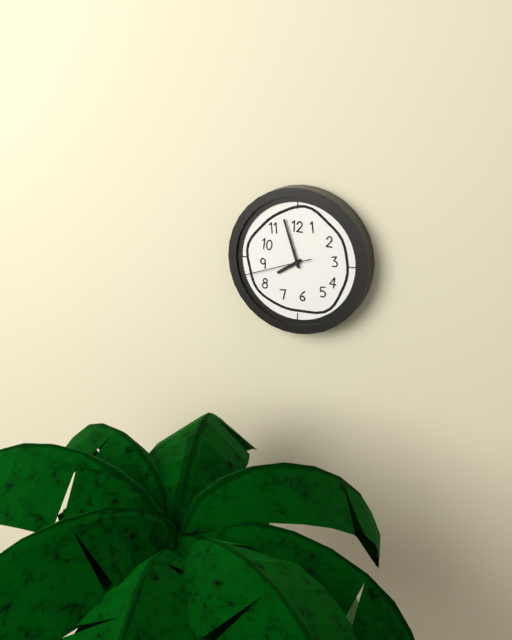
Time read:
7h57m42s
